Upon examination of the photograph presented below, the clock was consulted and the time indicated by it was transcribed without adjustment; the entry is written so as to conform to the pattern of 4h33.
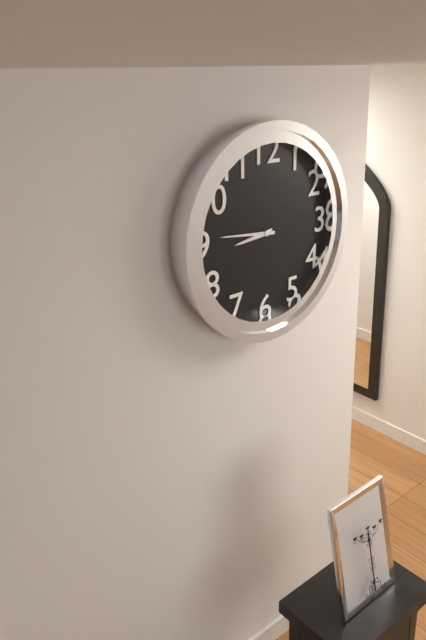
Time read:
8h46
